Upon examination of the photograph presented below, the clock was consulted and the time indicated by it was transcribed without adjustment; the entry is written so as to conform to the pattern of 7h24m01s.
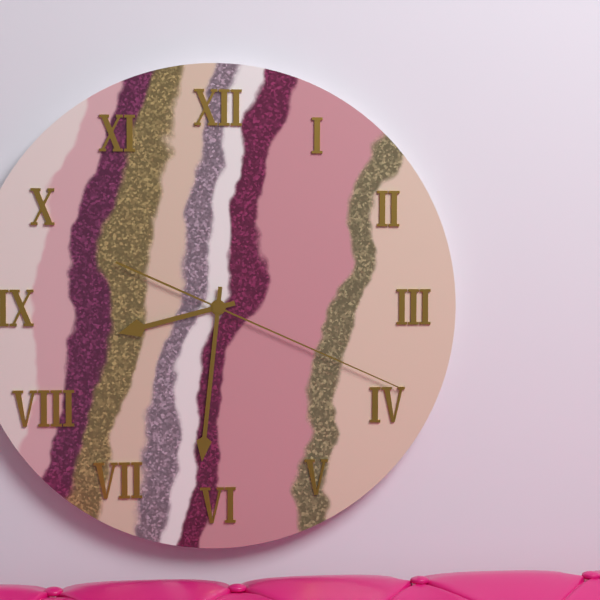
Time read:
8h31m19s
